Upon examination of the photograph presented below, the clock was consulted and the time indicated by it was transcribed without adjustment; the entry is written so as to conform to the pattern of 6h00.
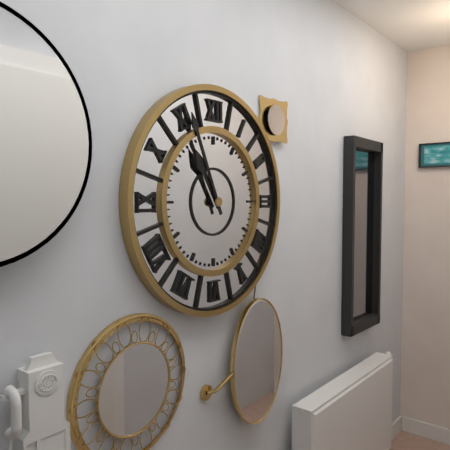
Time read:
10h56
